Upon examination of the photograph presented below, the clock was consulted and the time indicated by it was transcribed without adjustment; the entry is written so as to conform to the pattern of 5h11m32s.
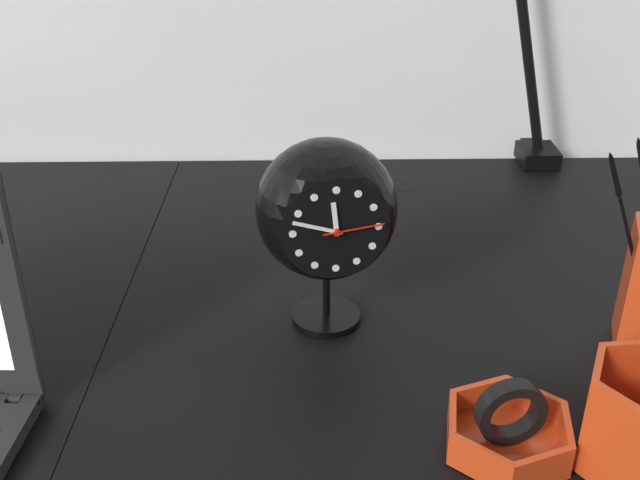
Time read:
11h48m14s
